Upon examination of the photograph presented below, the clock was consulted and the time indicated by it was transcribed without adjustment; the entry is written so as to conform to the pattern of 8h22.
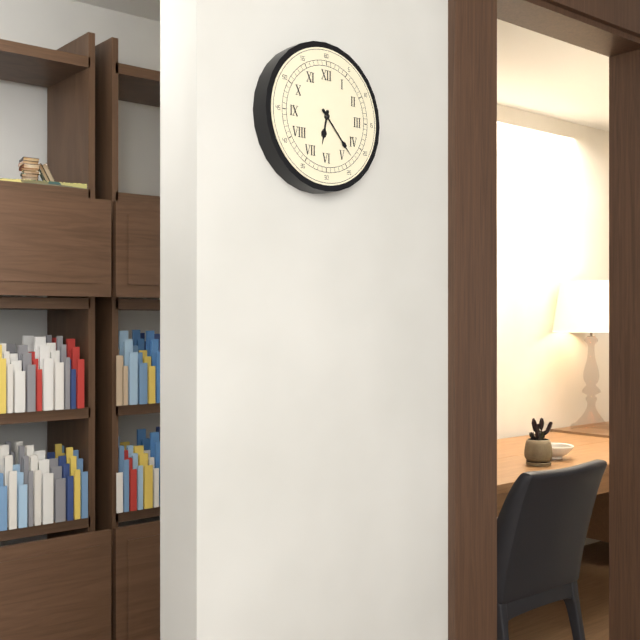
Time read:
6h23
